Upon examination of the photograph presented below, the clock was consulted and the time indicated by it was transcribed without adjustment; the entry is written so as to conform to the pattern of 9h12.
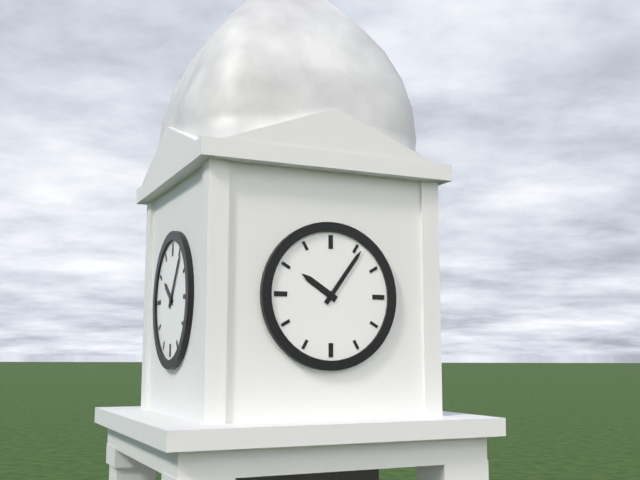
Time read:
10h06
